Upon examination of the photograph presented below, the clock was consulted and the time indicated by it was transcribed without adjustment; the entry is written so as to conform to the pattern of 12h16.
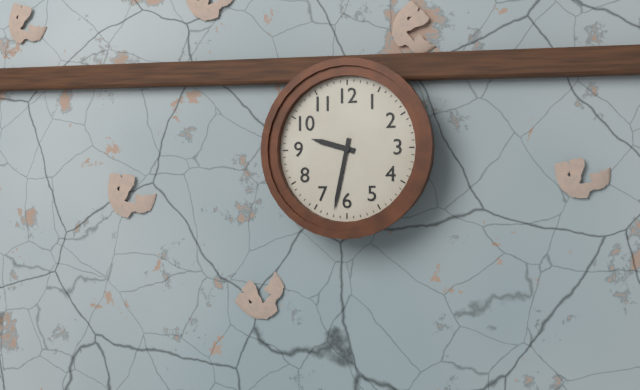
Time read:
9h32
